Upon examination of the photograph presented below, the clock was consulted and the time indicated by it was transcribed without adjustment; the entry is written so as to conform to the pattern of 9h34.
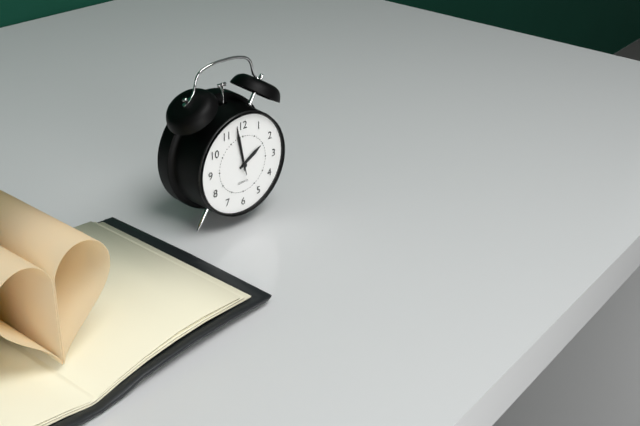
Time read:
1h58
